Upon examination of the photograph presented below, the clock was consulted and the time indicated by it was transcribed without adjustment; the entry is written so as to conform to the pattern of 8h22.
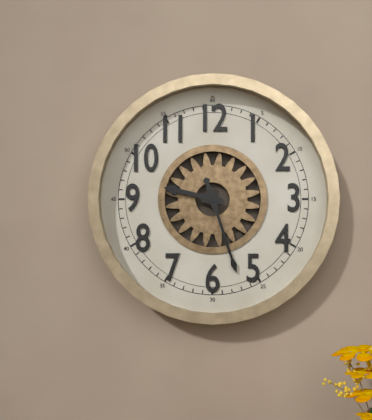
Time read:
9h27
